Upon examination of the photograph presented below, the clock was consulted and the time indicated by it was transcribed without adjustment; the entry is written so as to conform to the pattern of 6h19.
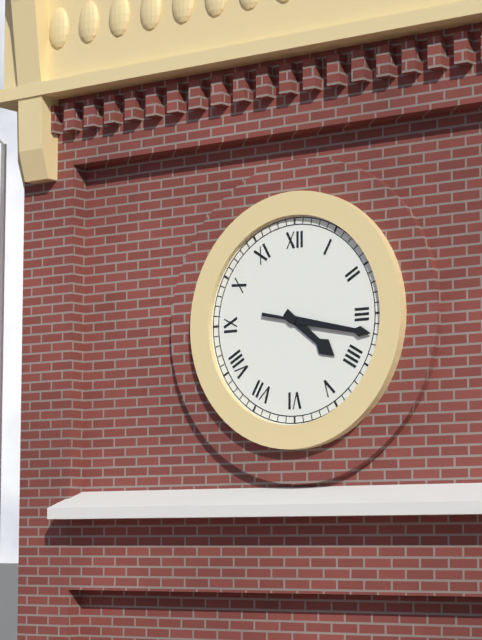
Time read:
4h17
